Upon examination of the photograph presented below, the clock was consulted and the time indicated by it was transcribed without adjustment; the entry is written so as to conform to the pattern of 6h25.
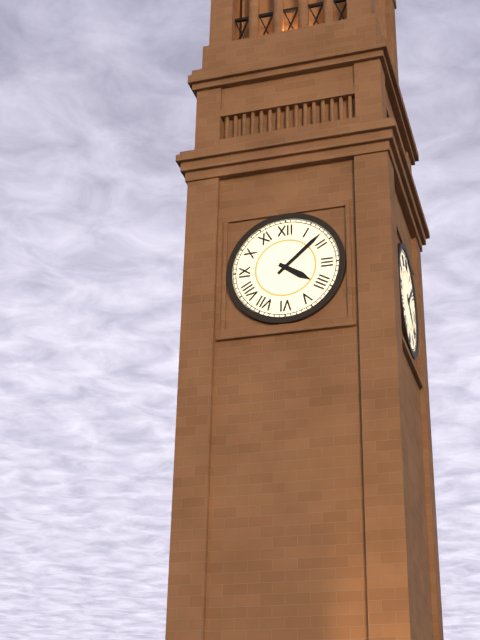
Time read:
4h08
